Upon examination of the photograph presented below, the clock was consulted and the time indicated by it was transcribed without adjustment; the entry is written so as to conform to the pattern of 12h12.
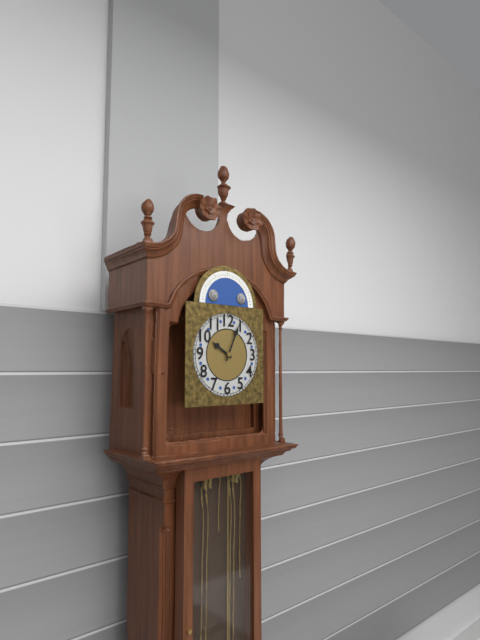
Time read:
10h04
